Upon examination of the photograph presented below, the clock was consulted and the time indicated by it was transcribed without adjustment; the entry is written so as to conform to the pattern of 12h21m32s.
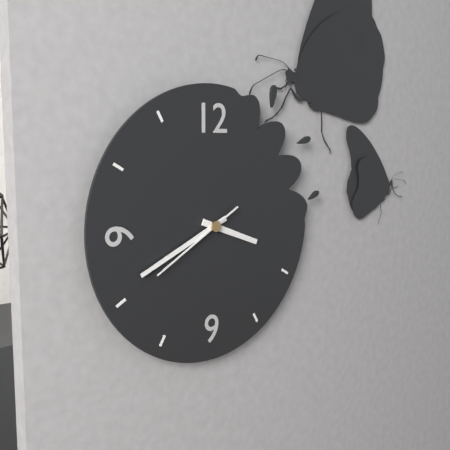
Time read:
3h41m40s
